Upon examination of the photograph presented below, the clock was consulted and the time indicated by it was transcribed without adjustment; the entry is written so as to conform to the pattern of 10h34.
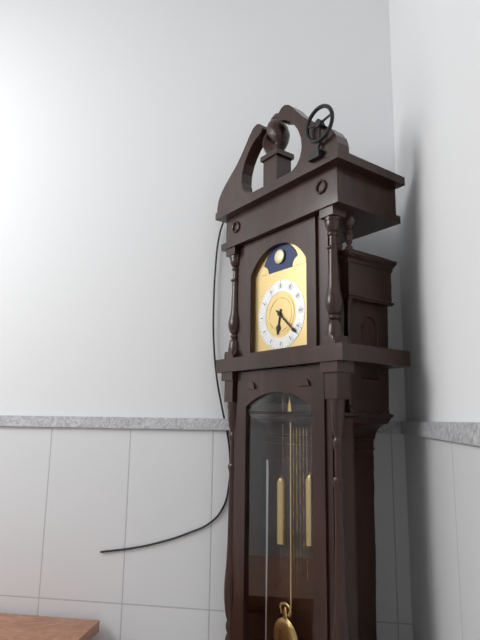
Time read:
6h22
